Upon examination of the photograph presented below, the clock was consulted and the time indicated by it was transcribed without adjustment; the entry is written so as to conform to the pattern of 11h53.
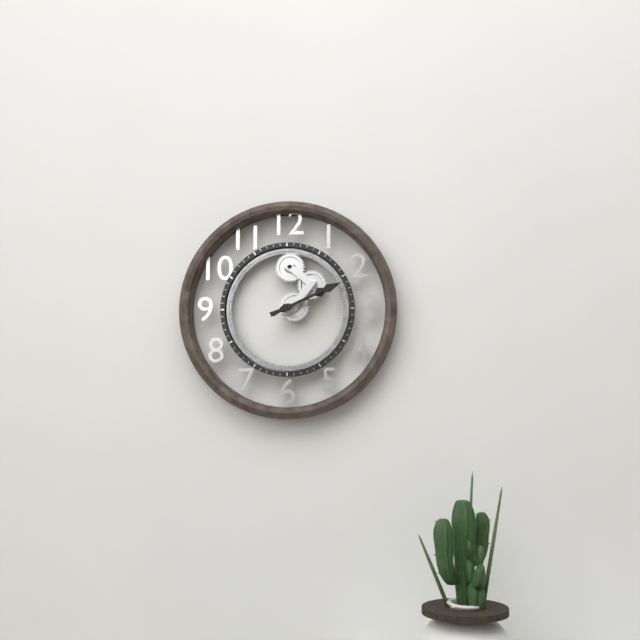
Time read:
2h11
